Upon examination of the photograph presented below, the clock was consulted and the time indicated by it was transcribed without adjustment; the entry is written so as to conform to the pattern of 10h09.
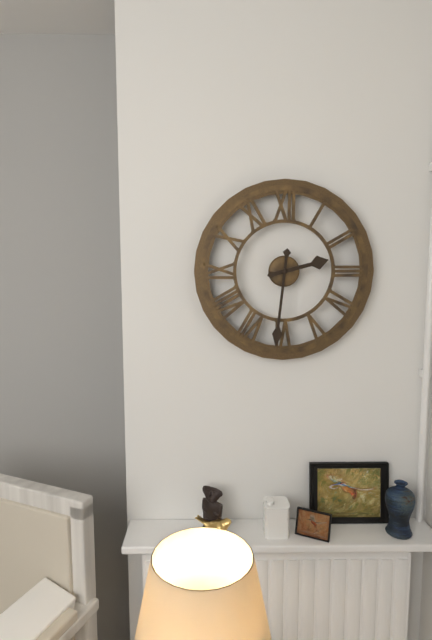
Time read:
2h31
